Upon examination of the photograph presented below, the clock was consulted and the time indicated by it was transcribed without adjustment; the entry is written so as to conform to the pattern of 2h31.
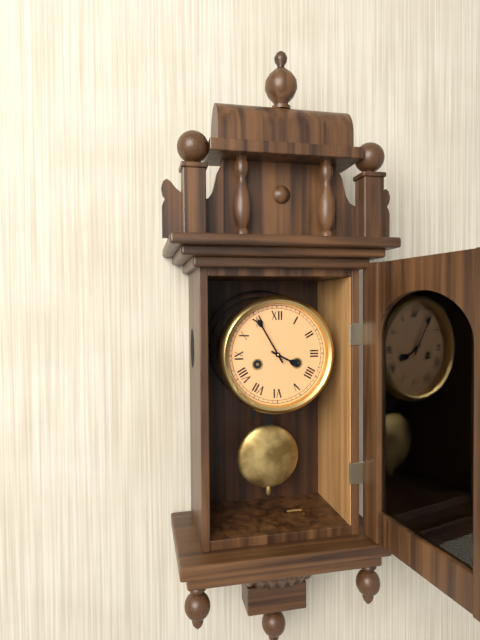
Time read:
3h55
